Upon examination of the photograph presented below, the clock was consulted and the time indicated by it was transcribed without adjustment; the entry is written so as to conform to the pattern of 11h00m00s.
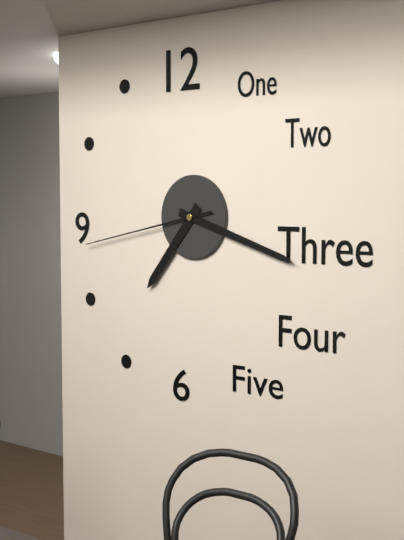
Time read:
7h18m43s
